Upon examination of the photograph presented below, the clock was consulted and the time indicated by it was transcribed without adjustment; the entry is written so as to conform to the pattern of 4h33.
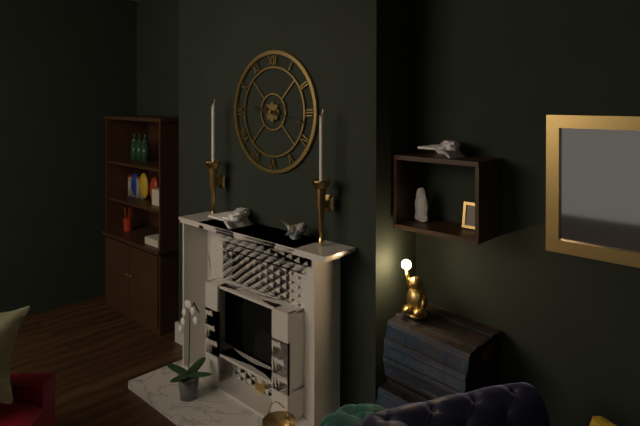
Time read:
9h17
